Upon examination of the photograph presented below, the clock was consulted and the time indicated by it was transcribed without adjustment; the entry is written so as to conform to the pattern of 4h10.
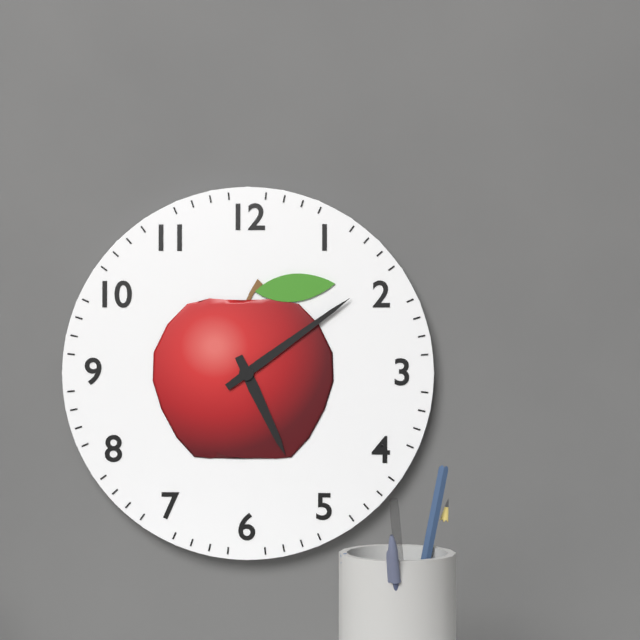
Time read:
5h09
